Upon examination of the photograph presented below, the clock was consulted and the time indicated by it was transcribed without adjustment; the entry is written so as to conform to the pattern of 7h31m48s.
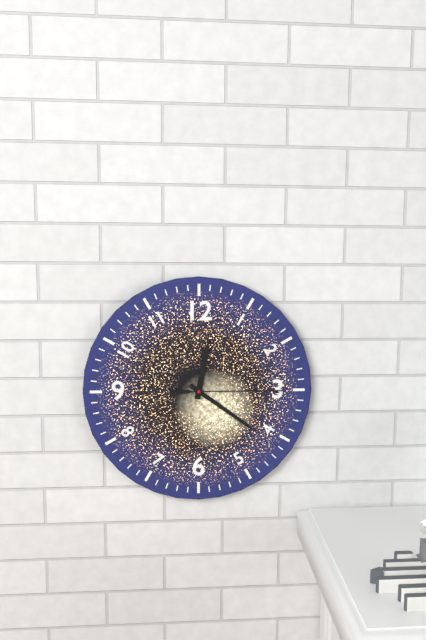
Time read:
12h21m15s
